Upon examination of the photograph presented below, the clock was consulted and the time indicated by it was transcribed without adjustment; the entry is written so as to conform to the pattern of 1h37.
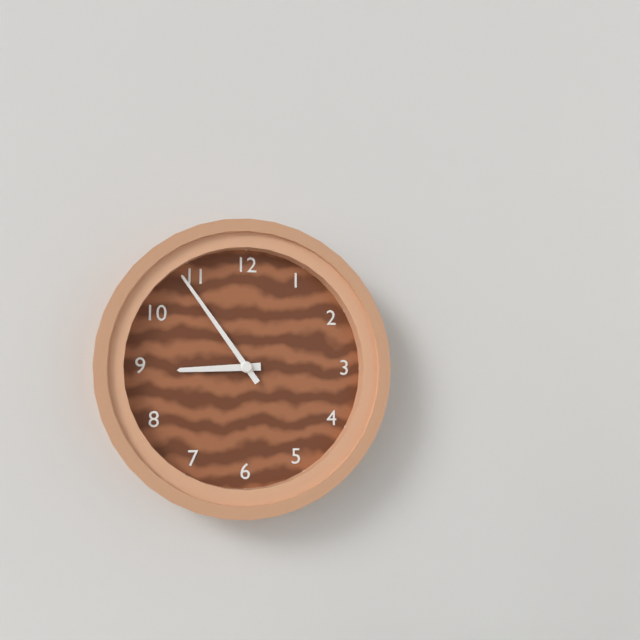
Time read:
8h54
